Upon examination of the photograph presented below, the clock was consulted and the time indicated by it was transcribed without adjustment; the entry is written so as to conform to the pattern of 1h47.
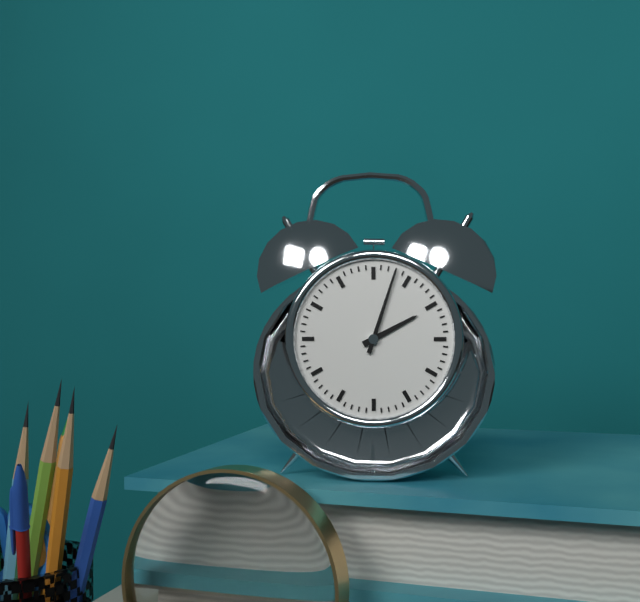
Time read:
2h03
